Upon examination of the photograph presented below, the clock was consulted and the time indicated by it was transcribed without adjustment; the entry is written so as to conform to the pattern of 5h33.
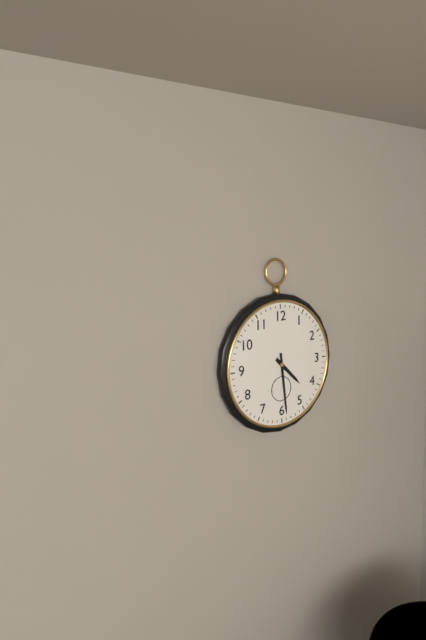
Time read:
4h29
